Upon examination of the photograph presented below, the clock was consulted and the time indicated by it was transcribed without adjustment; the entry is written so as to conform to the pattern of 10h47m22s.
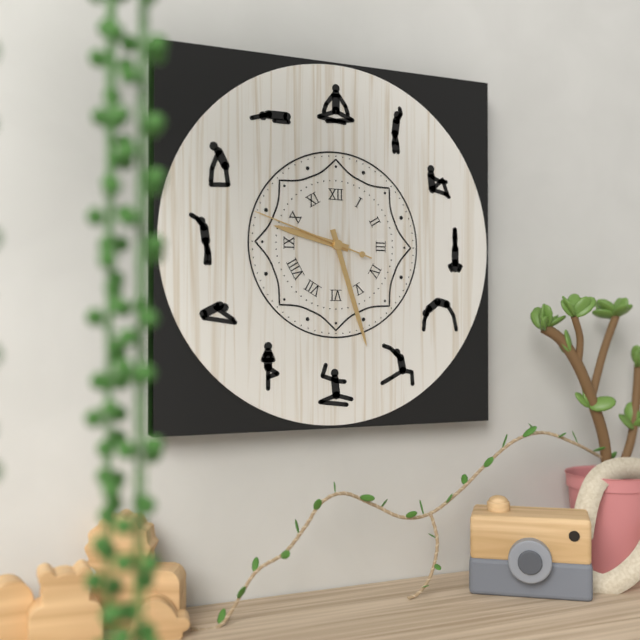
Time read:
9h27m48s
